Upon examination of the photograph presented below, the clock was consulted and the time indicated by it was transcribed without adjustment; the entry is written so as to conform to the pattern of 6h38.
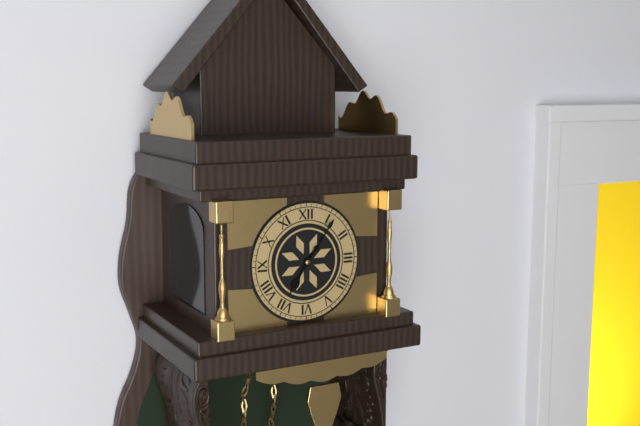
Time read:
7h06
